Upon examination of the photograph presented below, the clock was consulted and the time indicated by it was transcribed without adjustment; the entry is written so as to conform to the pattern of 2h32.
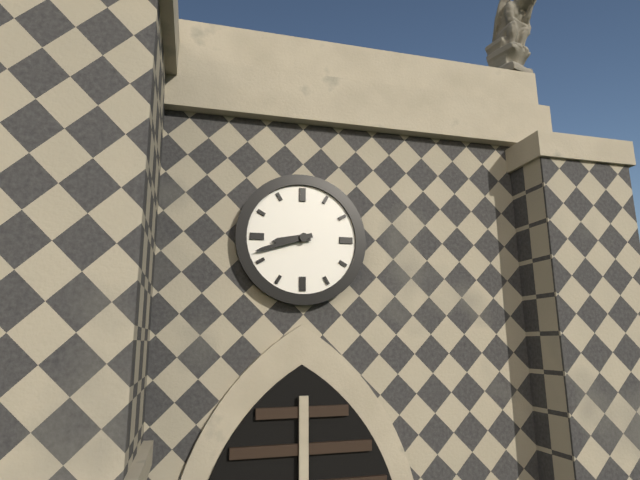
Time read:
8h42
